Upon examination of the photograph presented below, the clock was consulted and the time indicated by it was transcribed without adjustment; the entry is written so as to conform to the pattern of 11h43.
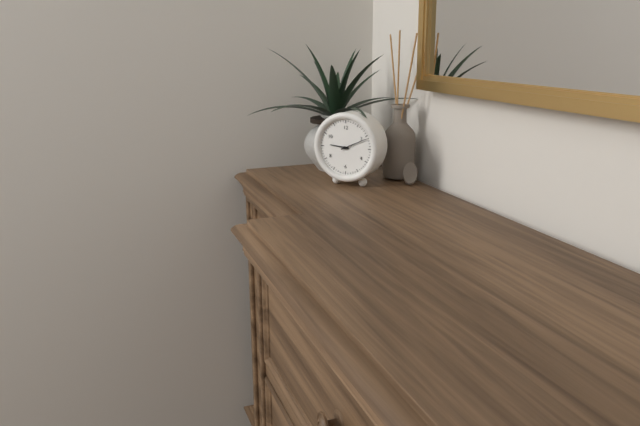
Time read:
9h11
